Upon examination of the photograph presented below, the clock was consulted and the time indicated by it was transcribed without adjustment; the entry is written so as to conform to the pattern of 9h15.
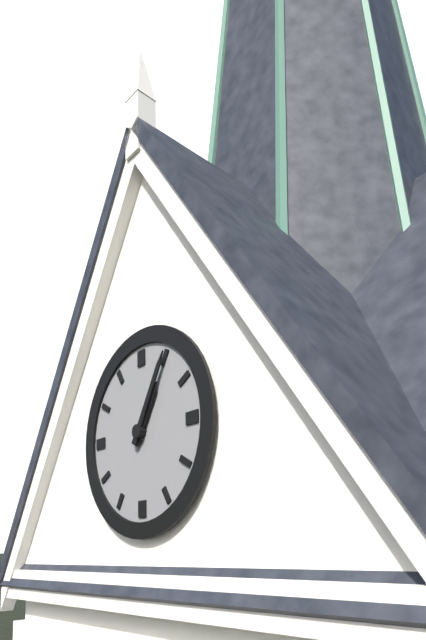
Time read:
1h05
